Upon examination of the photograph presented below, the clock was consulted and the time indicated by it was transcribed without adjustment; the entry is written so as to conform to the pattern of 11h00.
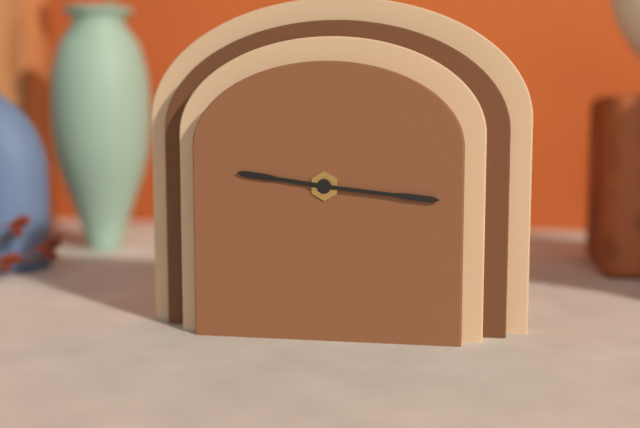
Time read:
9h16
